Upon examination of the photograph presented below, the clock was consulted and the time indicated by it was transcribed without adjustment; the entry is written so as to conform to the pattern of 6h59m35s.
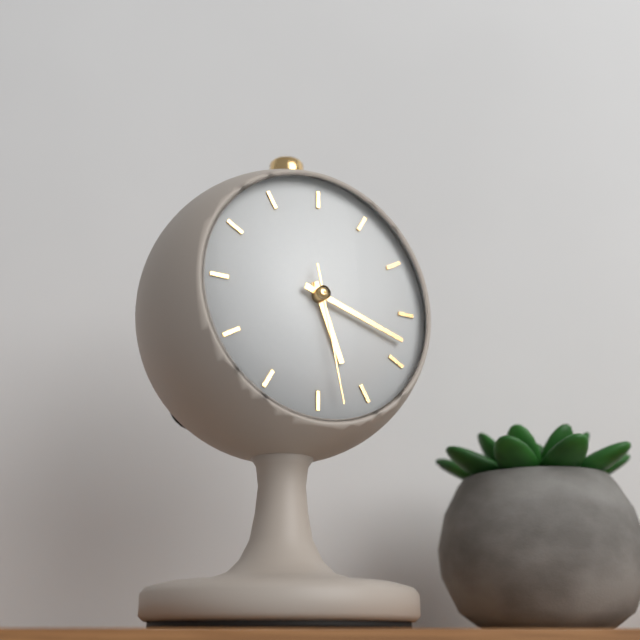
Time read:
5h18m28s
